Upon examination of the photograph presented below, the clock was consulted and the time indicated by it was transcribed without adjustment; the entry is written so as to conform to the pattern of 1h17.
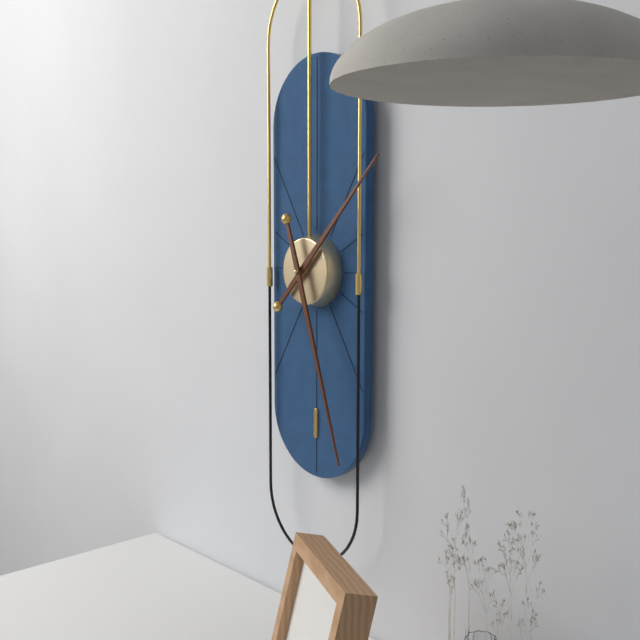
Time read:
1h27
